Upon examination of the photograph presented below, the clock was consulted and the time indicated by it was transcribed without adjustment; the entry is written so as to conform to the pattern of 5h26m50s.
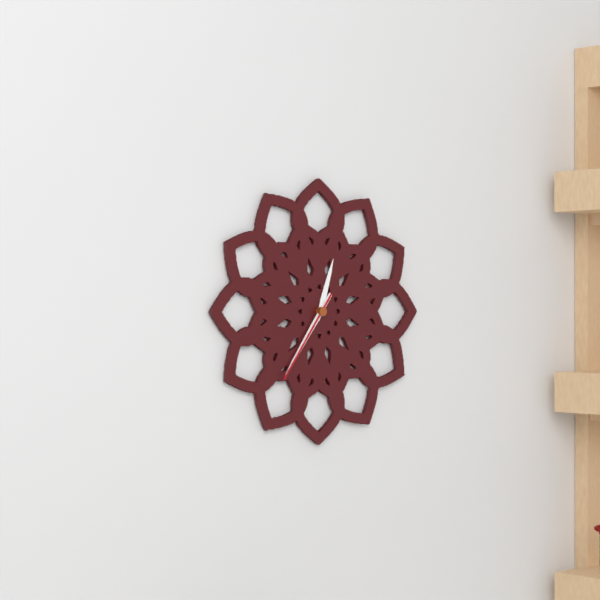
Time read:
12h36m36s
